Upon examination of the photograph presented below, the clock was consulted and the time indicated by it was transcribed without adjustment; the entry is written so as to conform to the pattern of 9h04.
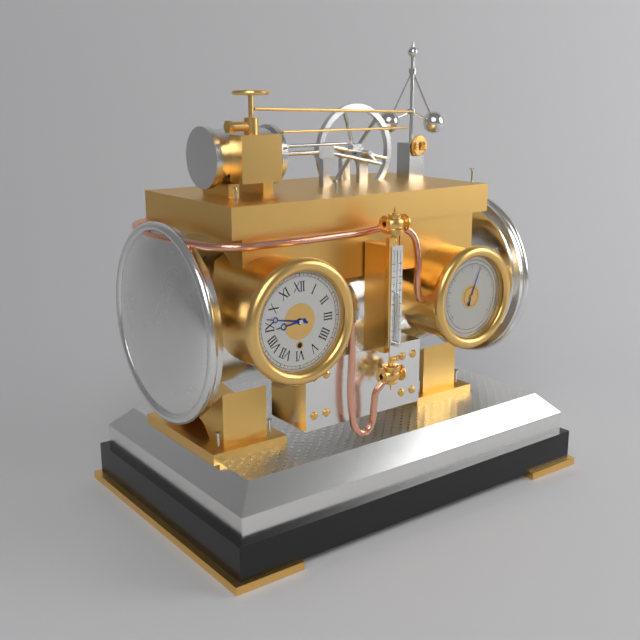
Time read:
8h47
